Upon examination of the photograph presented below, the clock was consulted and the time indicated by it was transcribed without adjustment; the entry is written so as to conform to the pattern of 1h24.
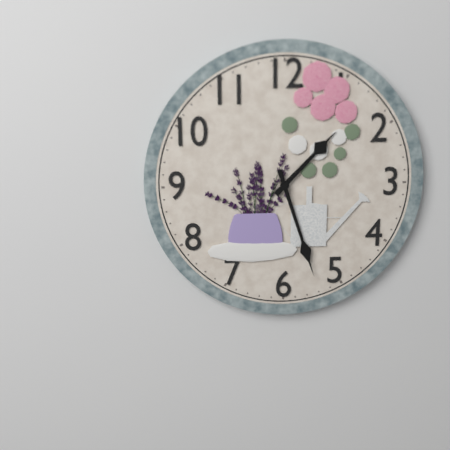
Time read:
1h27
